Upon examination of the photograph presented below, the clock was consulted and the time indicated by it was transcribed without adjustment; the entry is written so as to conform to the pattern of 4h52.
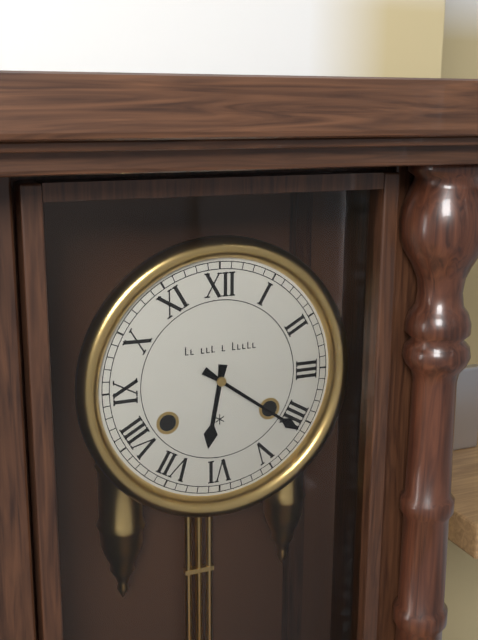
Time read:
6h21
